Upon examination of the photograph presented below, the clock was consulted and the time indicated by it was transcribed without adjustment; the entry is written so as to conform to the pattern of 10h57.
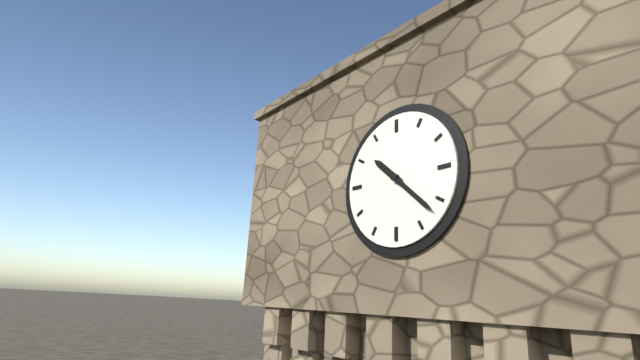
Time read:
10h22
